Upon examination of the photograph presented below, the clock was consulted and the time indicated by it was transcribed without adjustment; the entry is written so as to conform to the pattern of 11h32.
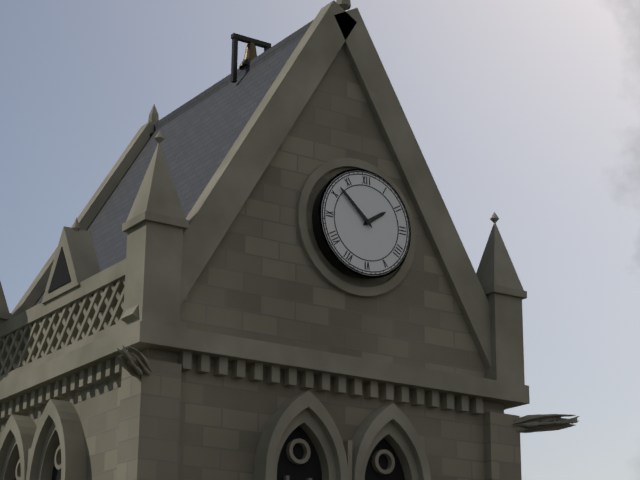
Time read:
1h52
